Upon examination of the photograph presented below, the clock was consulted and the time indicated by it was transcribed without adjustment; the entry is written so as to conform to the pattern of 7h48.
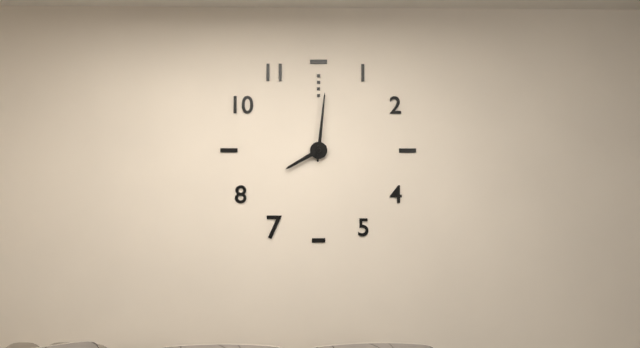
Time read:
8h01
